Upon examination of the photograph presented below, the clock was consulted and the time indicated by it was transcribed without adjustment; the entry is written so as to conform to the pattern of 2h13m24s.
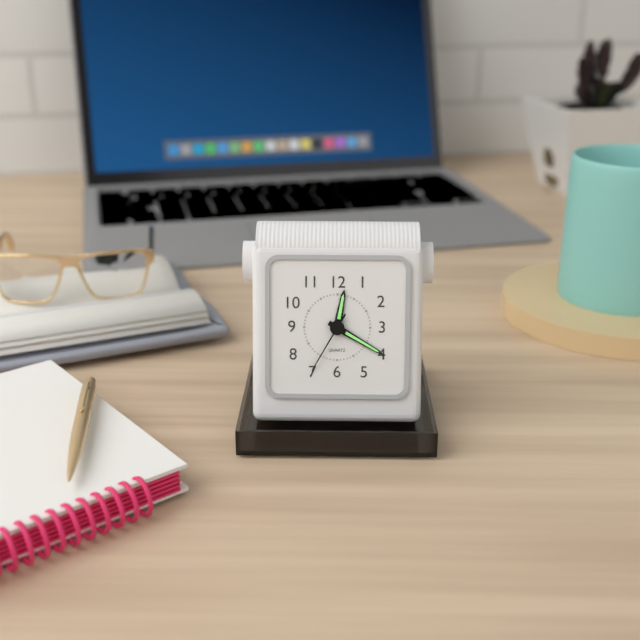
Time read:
12h20m35s
